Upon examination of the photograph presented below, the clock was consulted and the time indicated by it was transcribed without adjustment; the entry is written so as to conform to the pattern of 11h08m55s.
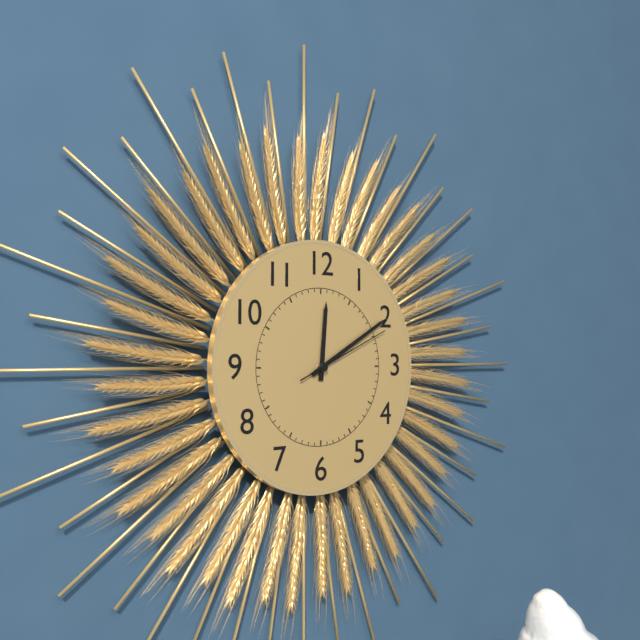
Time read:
12h10m11s
